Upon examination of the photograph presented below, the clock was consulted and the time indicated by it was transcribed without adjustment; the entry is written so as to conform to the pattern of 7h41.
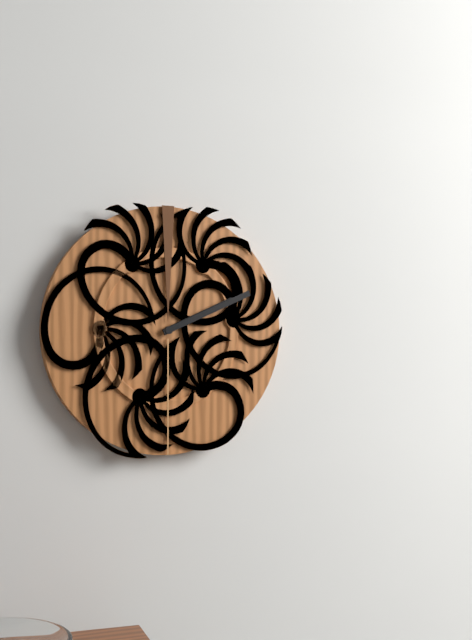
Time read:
2h11
